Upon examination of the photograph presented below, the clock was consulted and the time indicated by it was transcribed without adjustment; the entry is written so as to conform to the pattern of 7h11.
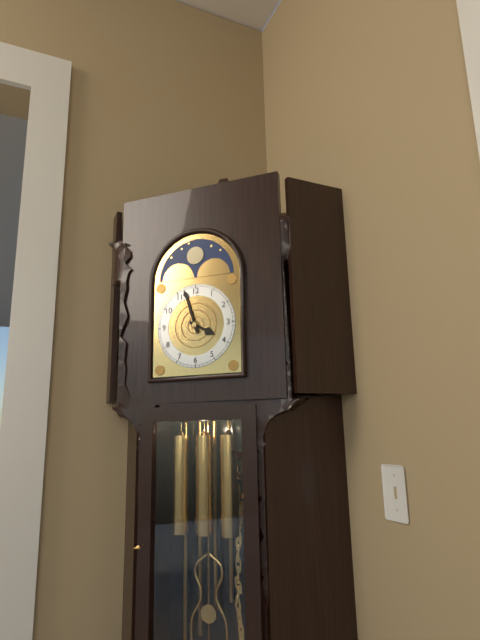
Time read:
3h57
